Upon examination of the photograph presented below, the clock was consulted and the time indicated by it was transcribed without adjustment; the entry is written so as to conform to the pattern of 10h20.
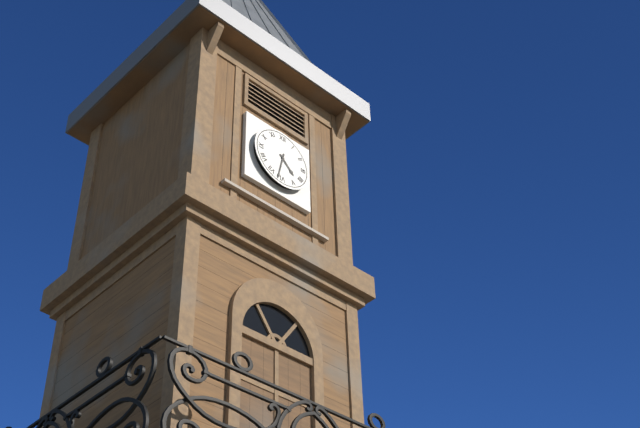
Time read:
4h32
